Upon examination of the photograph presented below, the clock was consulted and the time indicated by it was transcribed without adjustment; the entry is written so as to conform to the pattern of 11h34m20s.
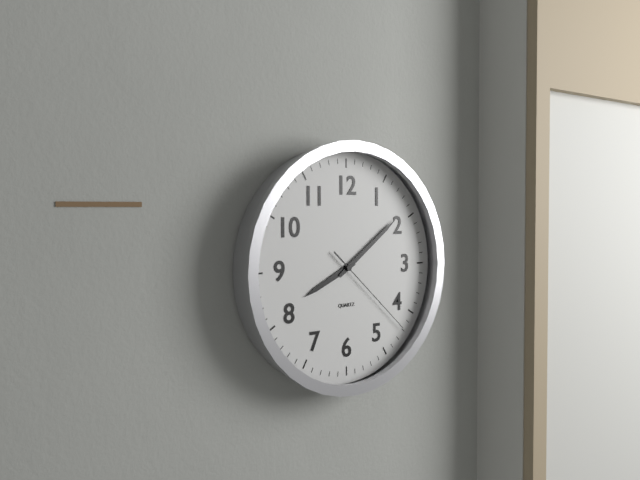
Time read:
8h09m22s
